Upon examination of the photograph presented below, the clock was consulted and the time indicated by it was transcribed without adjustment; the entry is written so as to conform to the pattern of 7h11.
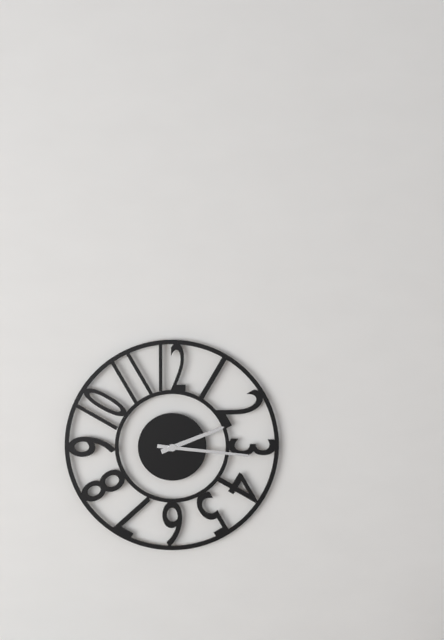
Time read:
2h16
